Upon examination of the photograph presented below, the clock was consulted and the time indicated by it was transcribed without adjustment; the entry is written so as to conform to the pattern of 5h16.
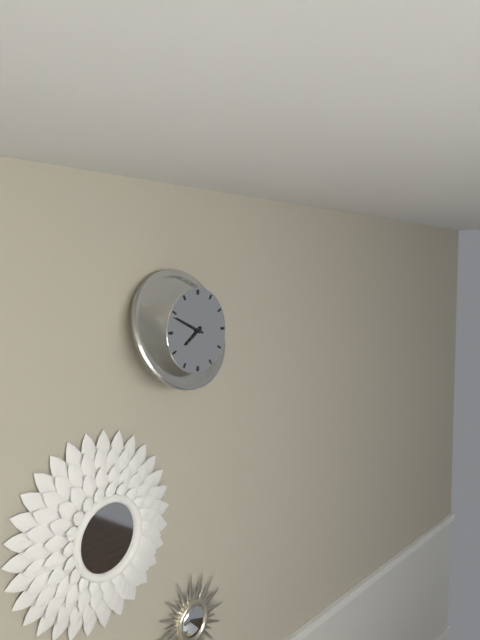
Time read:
7h49
